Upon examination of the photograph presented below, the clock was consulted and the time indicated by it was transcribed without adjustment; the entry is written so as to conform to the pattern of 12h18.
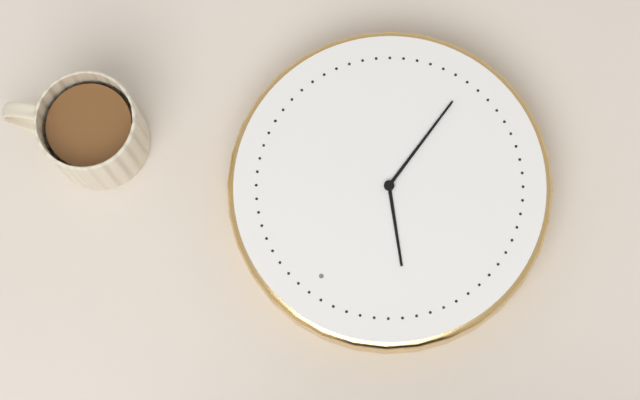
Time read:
10h30
